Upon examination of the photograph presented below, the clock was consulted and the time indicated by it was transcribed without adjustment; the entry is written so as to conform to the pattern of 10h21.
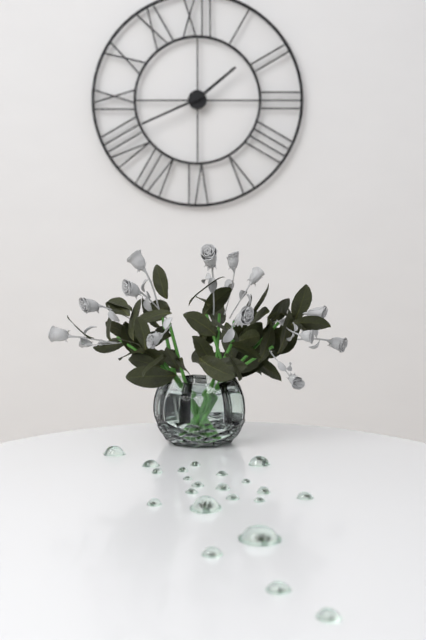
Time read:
1h41
